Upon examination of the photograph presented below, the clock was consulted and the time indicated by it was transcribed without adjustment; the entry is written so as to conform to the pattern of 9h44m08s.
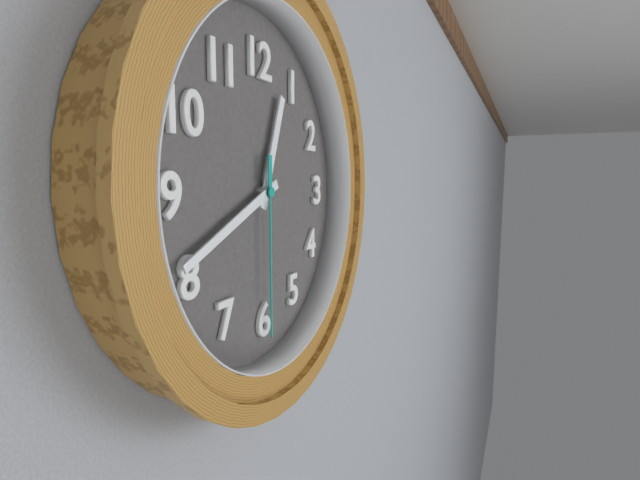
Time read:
12h41m30s
